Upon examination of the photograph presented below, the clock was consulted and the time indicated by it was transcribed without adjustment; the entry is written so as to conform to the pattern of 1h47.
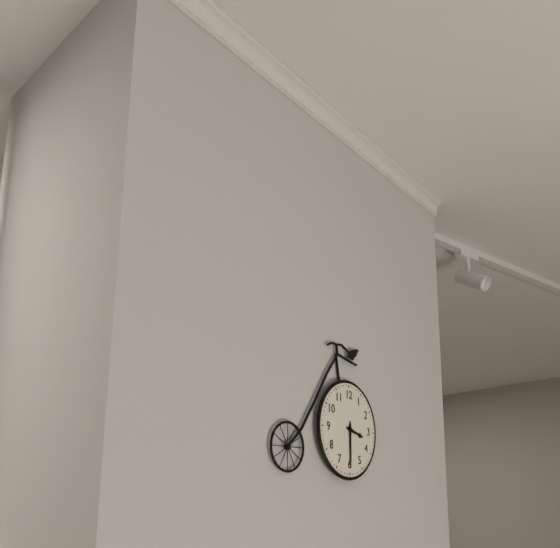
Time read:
3h30
